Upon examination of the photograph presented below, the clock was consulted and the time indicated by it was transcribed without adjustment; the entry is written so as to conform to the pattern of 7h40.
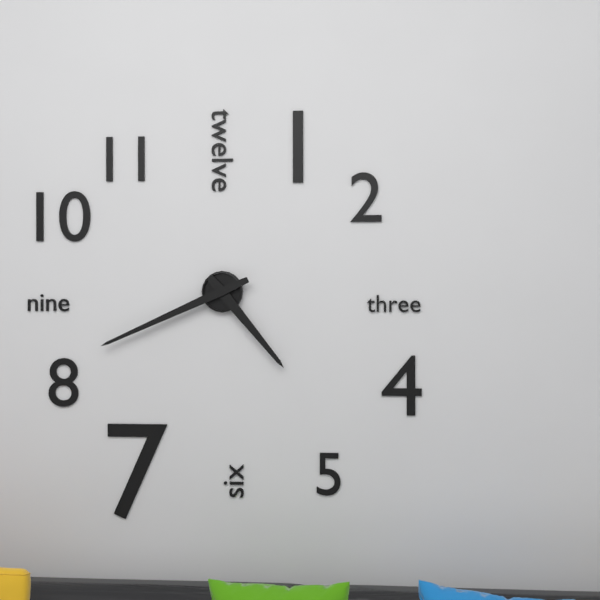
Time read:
4h41
